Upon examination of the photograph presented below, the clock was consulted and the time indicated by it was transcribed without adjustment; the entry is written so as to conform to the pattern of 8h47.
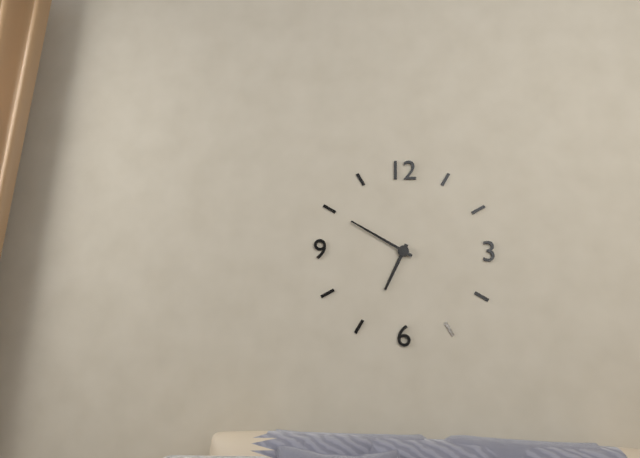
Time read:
6h50
